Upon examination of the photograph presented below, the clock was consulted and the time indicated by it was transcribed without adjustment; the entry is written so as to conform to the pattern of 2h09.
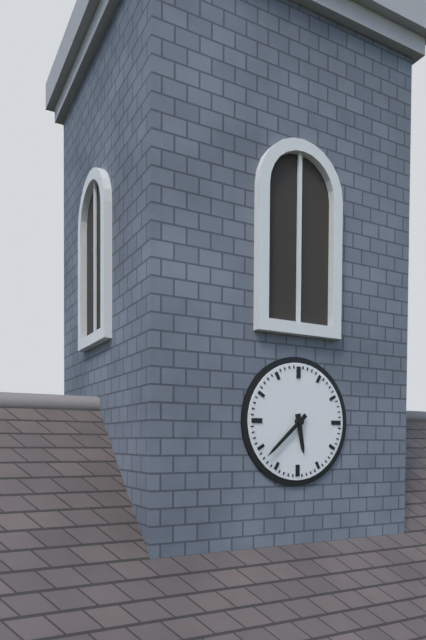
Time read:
5h38
